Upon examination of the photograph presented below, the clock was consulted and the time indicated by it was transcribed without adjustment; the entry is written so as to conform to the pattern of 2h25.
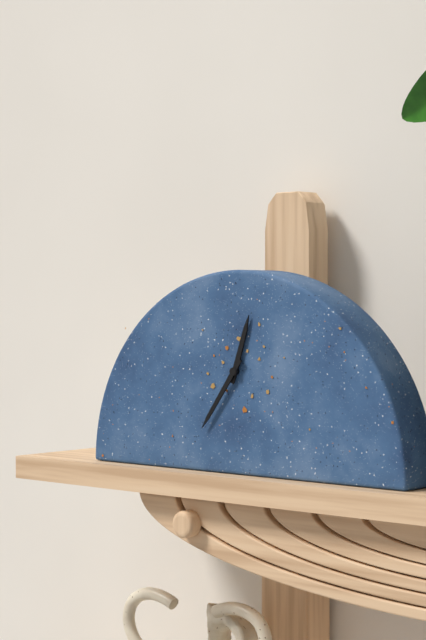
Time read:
12h36
